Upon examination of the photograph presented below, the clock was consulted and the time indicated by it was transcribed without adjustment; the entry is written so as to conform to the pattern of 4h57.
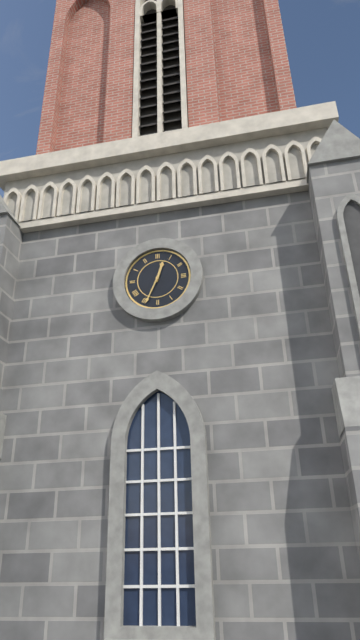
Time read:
12h34
